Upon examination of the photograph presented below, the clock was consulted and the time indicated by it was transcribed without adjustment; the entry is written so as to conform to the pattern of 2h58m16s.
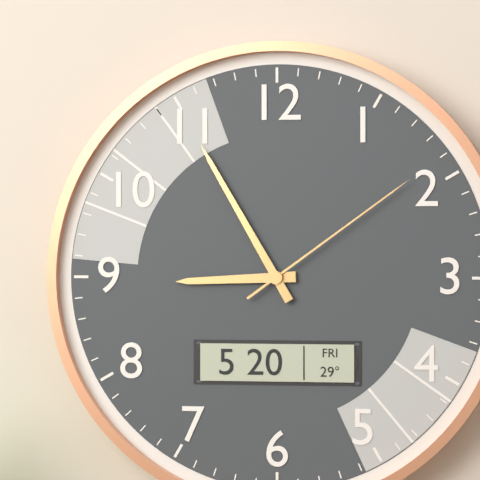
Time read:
8h55m09s
